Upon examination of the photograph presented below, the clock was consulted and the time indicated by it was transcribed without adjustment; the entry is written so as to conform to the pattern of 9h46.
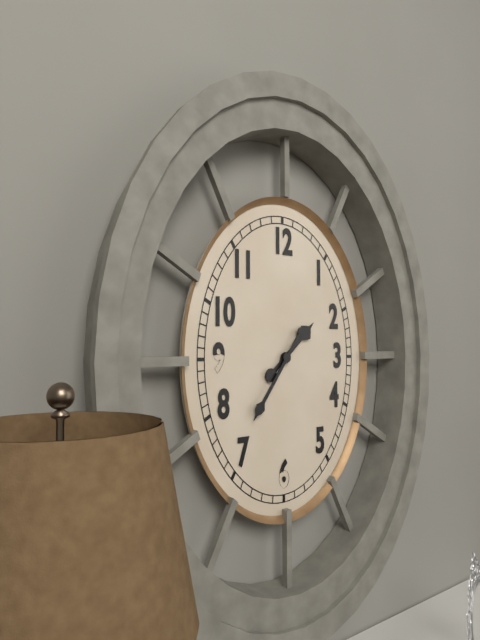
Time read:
1h36
